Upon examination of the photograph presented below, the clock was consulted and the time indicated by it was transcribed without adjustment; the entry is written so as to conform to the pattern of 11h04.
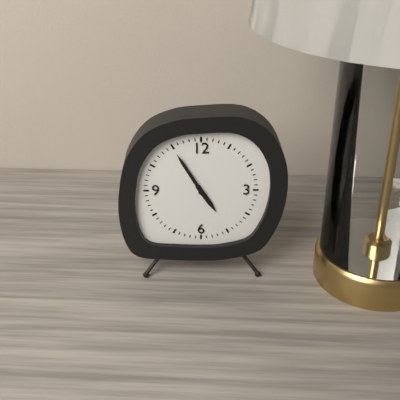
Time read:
4h55
